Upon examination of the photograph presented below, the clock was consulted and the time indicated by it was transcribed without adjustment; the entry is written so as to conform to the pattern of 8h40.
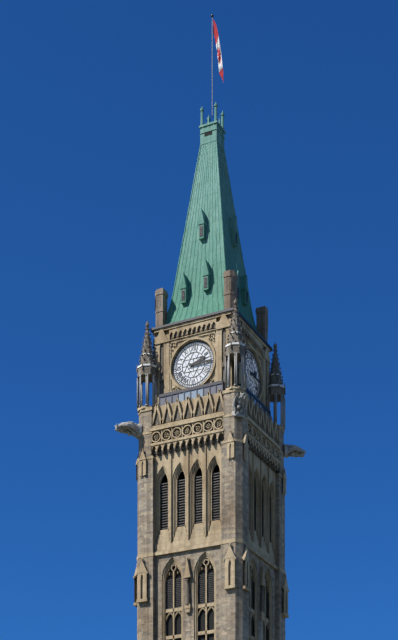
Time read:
2h15
